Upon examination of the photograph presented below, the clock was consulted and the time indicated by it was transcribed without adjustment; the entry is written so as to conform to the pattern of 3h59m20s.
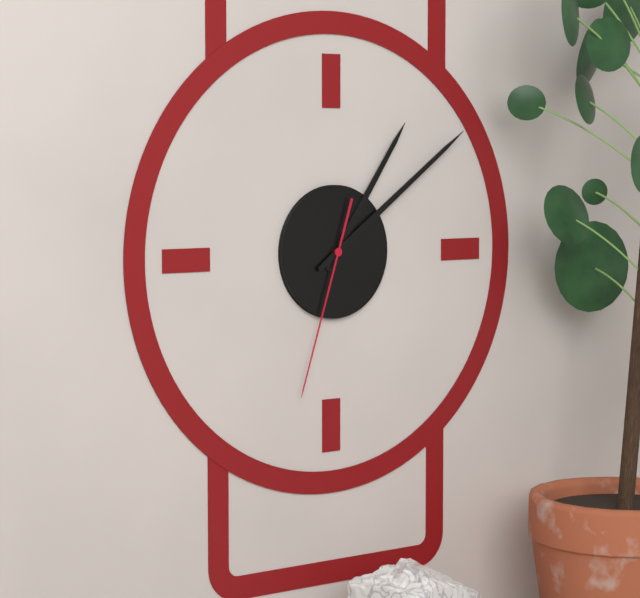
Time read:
1h09m33s
